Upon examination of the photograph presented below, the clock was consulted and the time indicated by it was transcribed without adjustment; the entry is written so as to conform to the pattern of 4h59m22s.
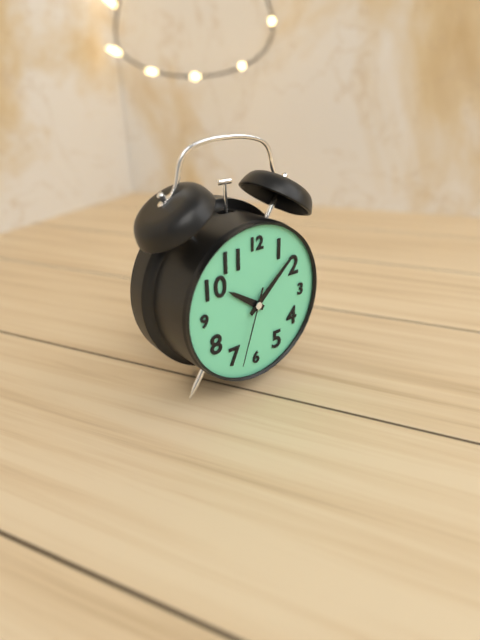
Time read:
10h08m33s
